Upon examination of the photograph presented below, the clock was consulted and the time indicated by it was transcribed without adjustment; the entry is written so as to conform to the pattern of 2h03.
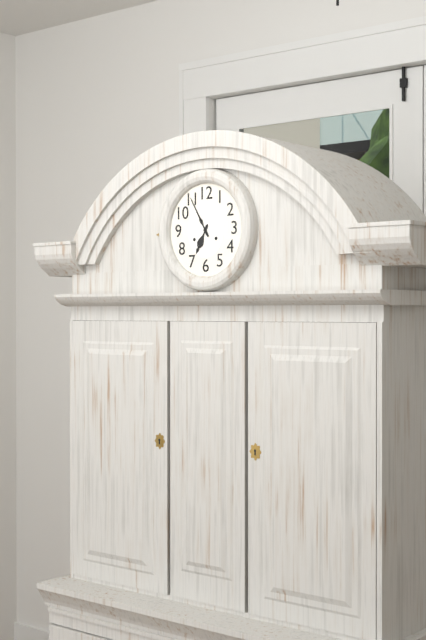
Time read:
6h55
